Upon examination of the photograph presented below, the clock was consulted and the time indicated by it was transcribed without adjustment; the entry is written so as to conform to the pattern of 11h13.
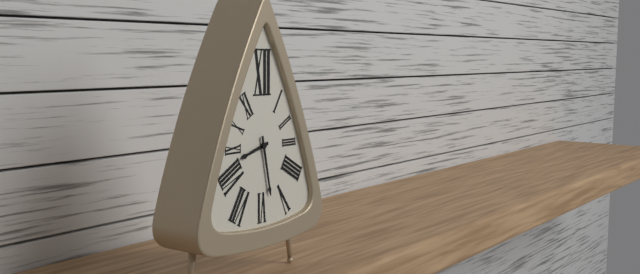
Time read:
8h28
